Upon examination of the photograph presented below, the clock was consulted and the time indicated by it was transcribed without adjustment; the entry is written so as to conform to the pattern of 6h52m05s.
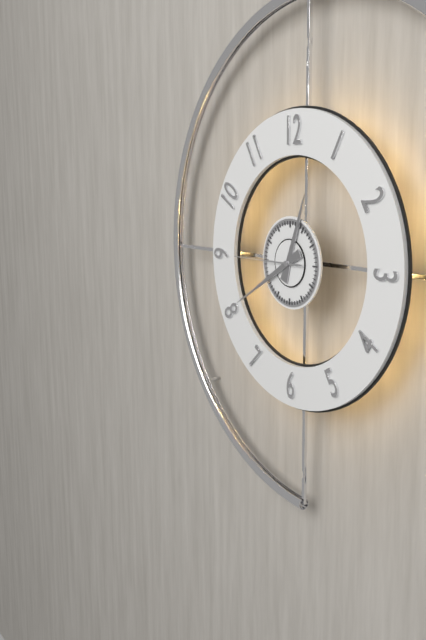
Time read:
12h40m45s
